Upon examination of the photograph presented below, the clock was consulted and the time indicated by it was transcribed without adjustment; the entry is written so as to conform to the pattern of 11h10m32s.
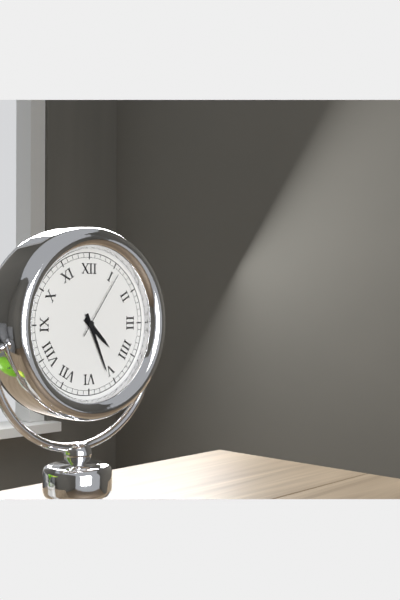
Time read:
4h26m06s
